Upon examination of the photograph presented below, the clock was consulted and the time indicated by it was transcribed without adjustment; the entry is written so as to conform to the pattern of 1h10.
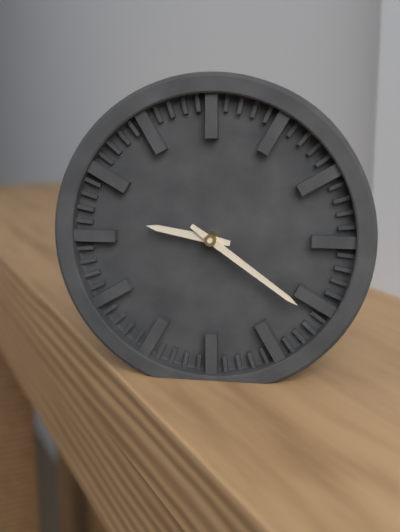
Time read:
9h21
